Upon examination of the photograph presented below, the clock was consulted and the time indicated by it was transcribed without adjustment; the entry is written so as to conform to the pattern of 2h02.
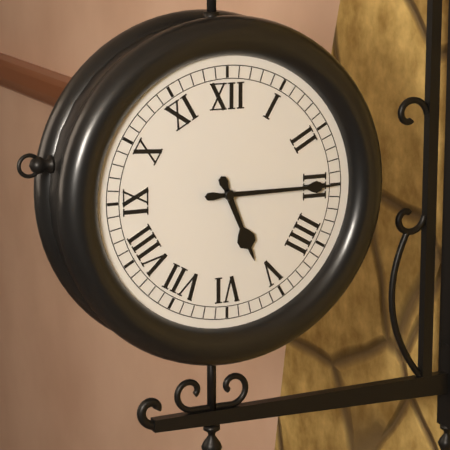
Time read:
5h15
